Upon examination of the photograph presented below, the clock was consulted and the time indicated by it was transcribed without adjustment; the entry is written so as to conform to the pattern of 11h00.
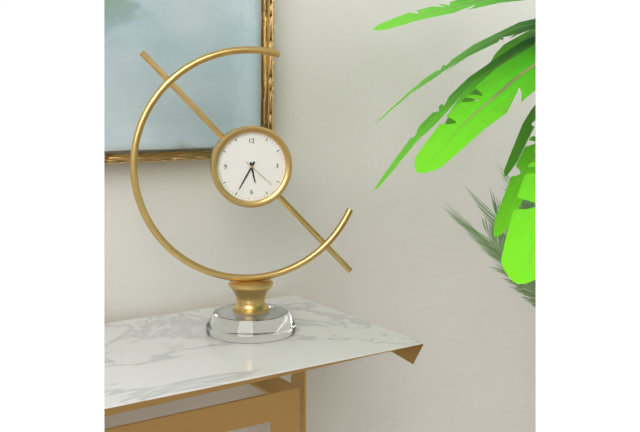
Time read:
5h35
